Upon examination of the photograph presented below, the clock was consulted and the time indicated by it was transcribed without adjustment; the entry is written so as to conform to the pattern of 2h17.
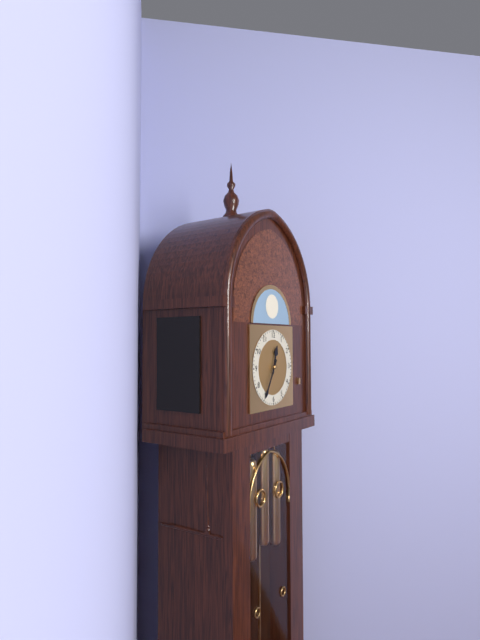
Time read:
12h35
